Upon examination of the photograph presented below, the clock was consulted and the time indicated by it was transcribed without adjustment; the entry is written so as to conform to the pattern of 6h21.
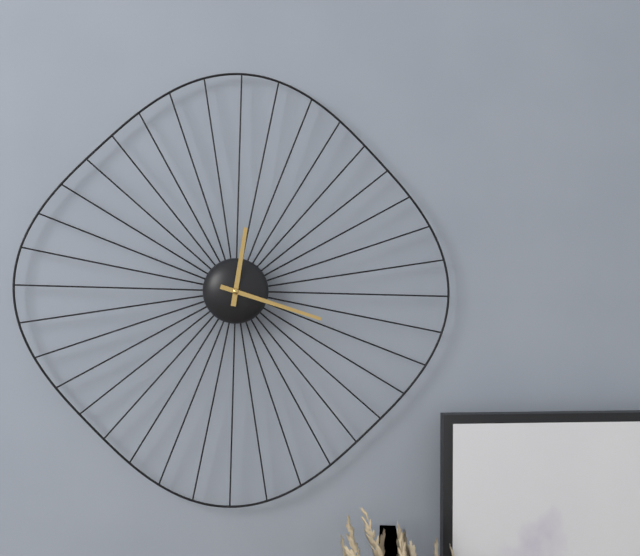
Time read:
12h18
